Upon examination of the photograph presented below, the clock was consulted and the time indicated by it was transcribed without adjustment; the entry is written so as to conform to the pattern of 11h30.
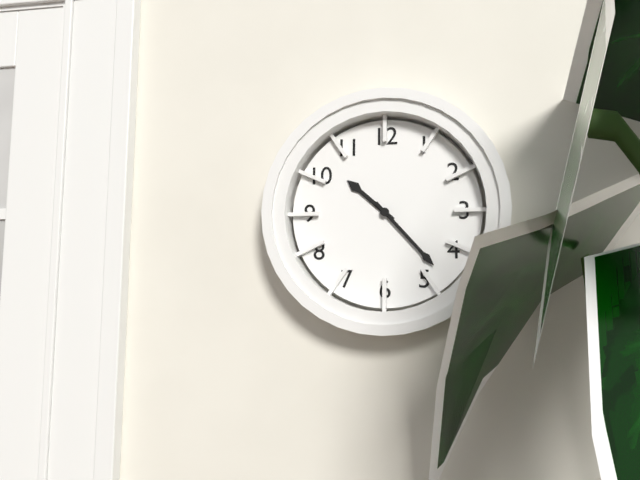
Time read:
10h23
